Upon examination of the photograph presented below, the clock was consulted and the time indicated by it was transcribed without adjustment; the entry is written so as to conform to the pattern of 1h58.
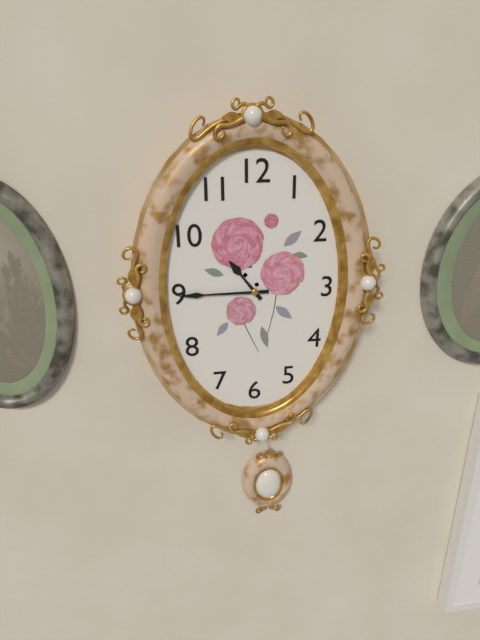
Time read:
10h45
